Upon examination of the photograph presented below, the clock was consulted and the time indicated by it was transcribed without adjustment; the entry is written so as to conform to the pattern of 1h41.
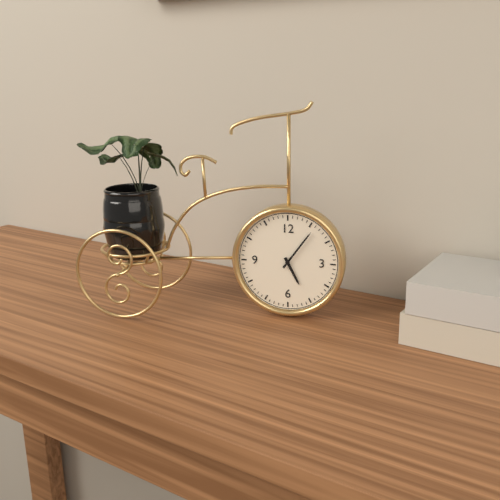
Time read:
5h06
